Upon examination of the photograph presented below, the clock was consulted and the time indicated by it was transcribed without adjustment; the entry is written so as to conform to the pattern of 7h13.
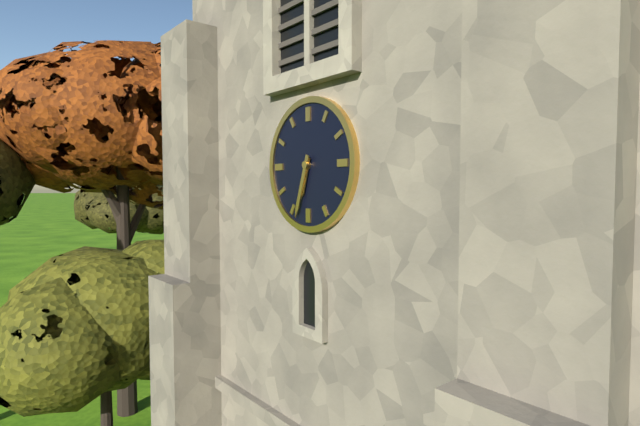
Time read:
6h33
